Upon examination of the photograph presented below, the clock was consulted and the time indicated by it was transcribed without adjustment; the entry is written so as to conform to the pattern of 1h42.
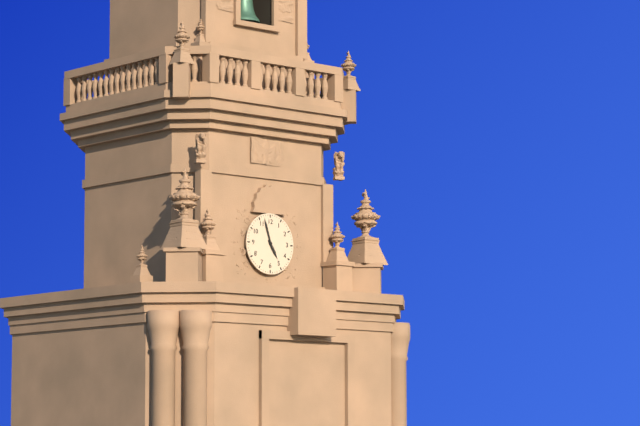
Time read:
4h57
